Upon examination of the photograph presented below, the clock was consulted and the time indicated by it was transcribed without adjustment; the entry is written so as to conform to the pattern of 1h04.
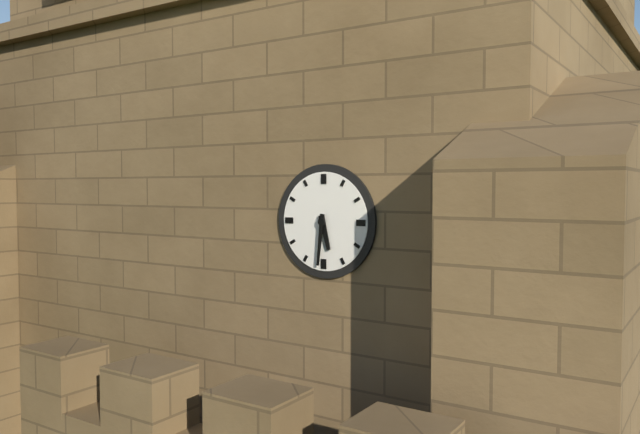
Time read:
5h31
